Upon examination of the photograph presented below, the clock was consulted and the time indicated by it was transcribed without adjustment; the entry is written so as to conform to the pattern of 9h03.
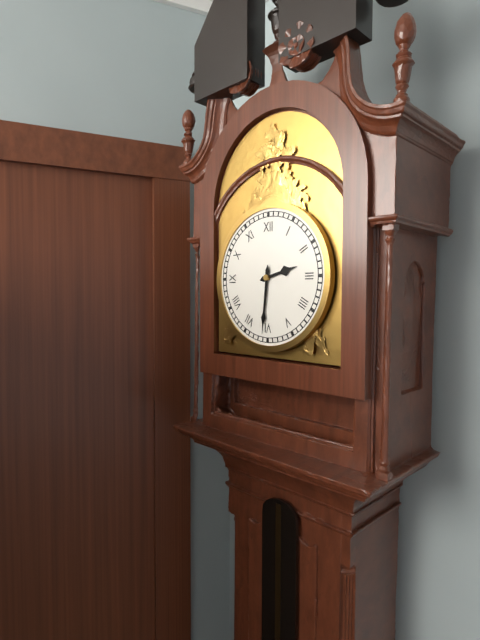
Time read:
2h31
